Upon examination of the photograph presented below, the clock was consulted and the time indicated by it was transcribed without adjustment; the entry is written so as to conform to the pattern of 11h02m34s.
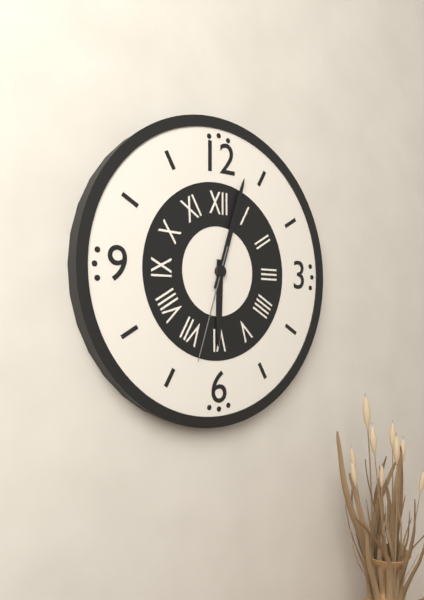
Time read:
6h03m33s
